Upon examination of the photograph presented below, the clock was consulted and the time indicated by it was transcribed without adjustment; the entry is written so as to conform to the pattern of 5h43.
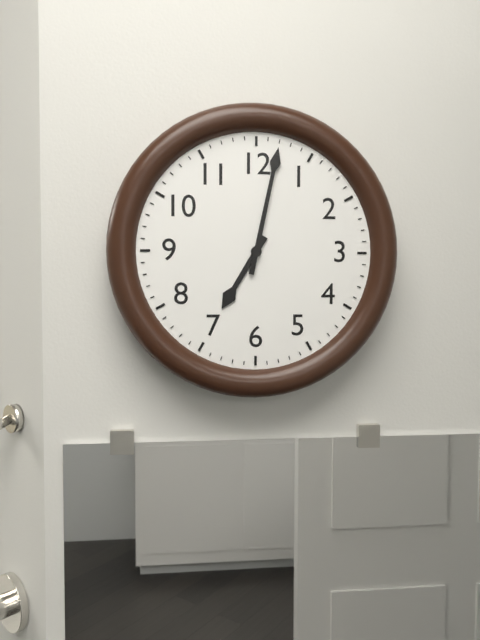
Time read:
7h02
